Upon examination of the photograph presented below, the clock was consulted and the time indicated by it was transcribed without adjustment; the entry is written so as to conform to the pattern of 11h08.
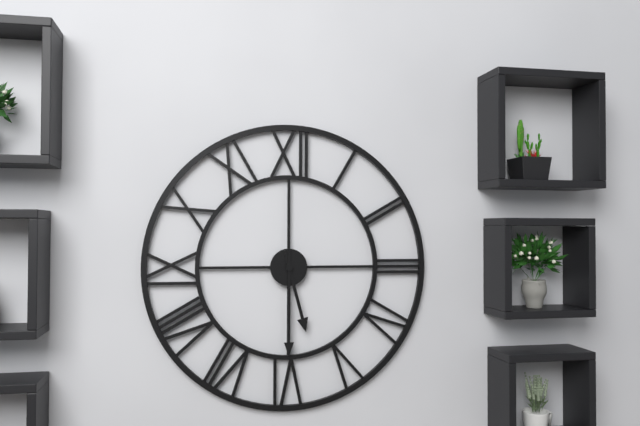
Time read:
5h30
